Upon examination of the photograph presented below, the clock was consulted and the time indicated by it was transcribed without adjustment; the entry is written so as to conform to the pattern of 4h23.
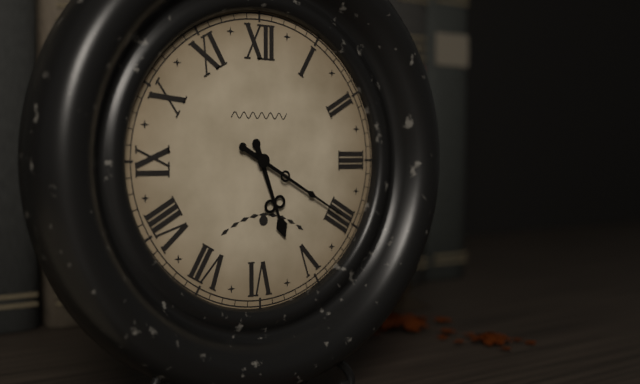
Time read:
5h20
